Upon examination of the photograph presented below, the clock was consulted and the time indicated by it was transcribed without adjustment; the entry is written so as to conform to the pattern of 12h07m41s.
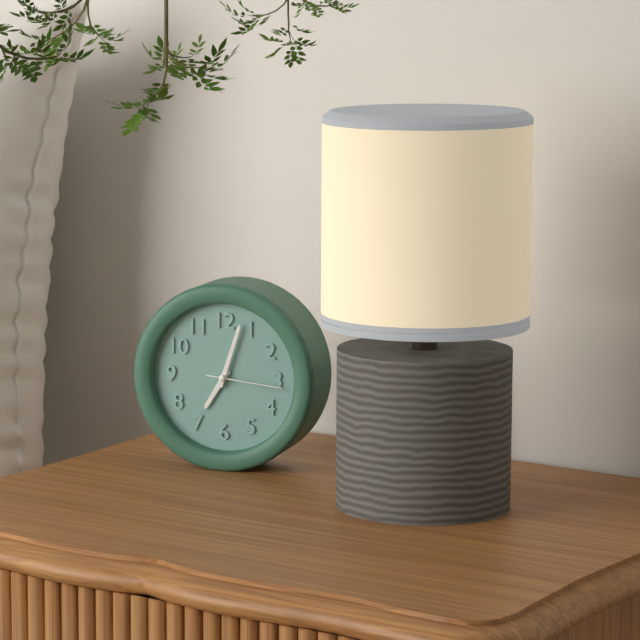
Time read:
7h03m16s
